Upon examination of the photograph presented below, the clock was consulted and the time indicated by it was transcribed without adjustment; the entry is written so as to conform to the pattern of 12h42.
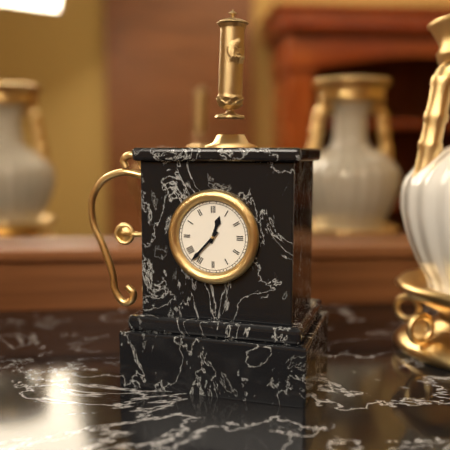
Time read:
12h37
